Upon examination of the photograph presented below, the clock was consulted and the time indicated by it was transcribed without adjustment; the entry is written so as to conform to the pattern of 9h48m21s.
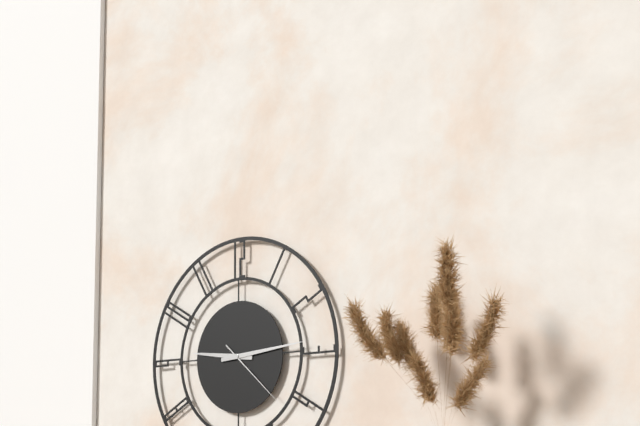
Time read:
9h14m22s
